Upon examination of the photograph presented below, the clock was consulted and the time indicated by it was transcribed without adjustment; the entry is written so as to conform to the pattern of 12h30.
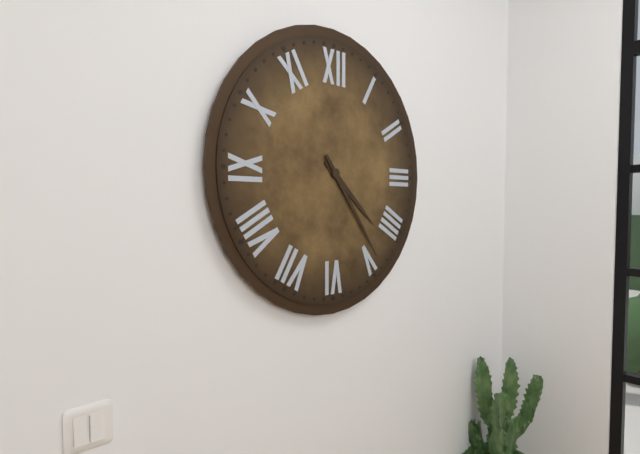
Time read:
4h24
